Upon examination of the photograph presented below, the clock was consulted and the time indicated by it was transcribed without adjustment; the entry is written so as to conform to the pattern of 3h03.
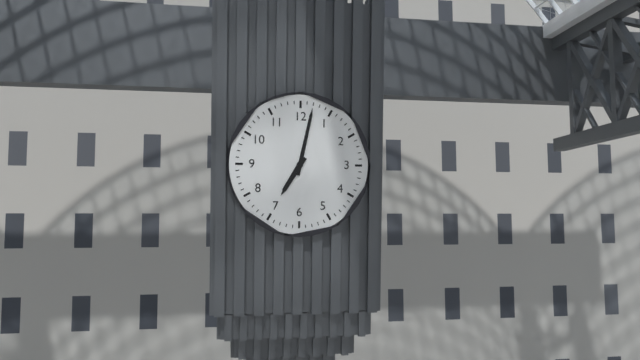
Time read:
7h02
